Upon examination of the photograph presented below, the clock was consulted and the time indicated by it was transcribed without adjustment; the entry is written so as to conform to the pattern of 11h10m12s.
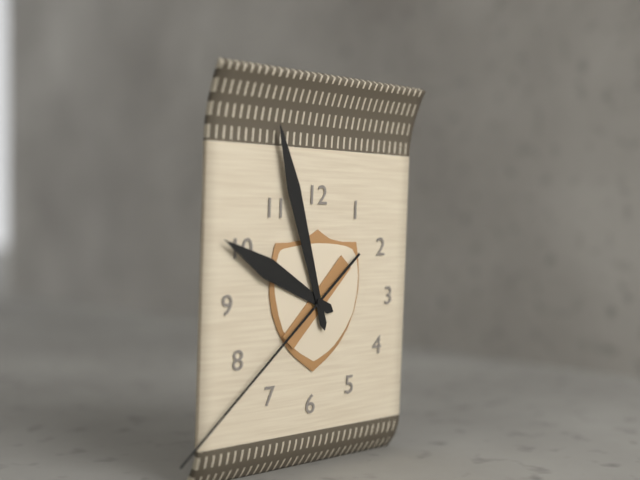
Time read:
9h57m38s
